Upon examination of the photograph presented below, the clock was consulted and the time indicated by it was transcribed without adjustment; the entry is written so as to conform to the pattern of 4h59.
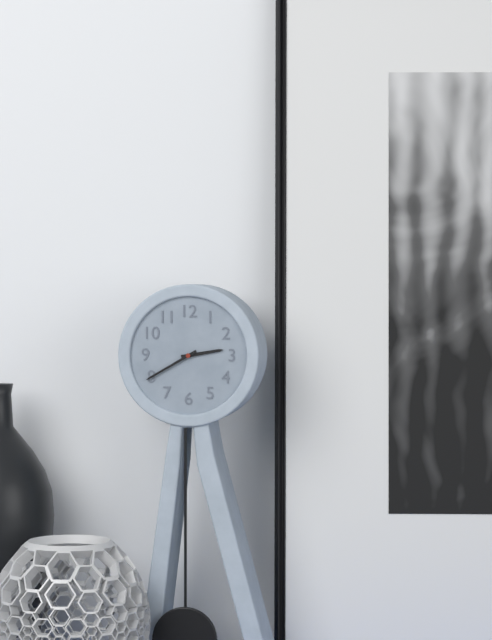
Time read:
2h40
